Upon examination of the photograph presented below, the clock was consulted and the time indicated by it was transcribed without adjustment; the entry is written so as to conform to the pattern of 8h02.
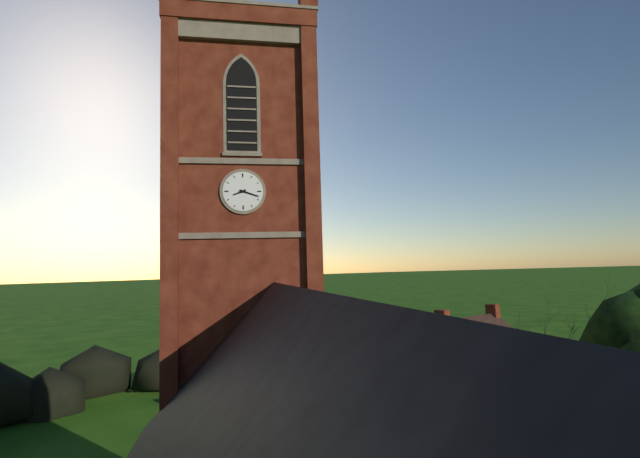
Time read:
8h18
